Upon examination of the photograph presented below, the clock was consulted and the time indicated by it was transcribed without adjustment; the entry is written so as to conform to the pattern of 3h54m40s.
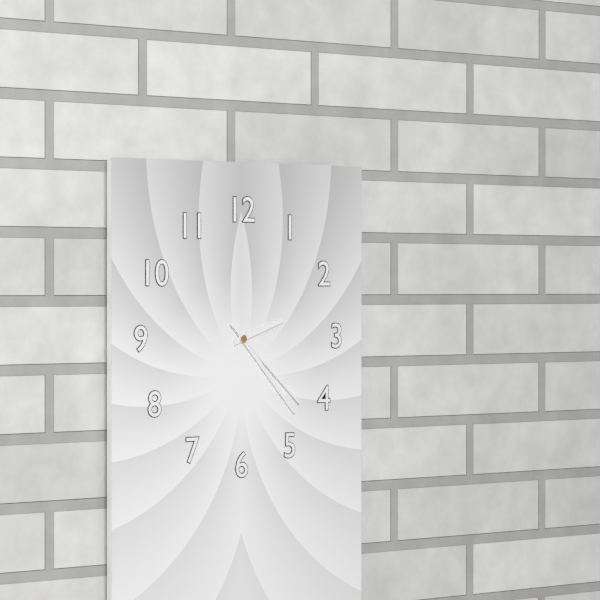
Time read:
2h23m22s
